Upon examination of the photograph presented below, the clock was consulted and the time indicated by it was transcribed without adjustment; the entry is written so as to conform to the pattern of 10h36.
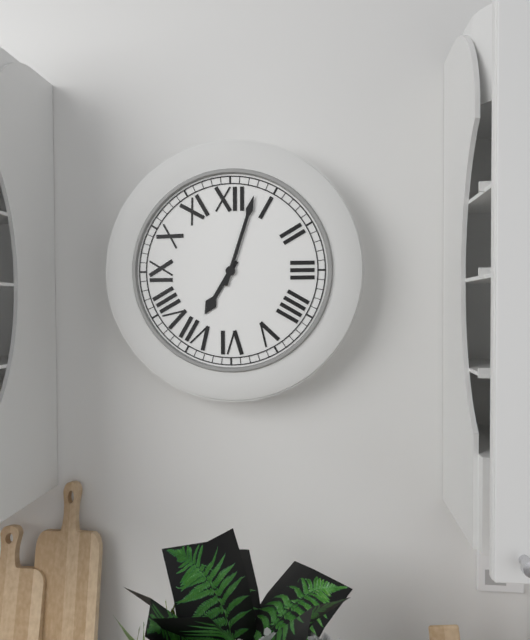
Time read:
7h03
